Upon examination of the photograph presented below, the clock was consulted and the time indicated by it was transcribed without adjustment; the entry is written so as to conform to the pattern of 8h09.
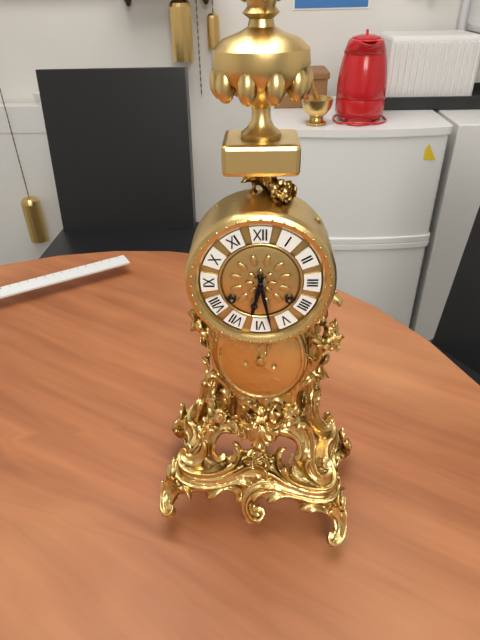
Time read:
6h28
